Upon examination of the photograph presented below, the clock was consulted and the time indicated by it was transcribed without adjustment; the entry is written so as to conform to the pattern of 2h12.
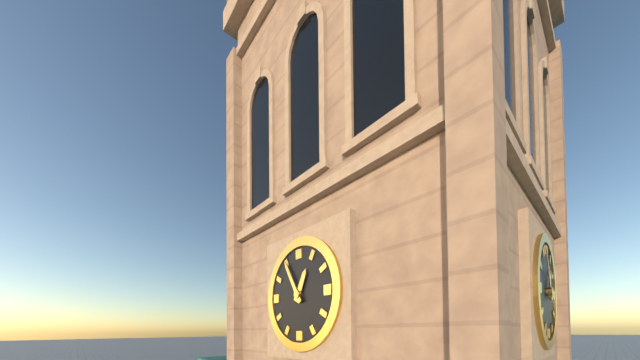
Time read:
12h55
